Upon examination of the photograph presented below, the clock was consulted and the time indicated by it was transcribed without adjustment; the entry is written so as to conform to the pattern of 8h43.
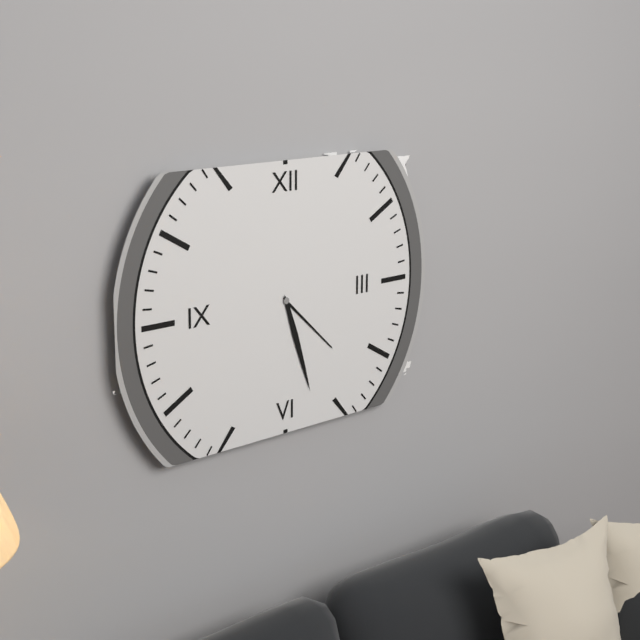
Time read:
4h27
